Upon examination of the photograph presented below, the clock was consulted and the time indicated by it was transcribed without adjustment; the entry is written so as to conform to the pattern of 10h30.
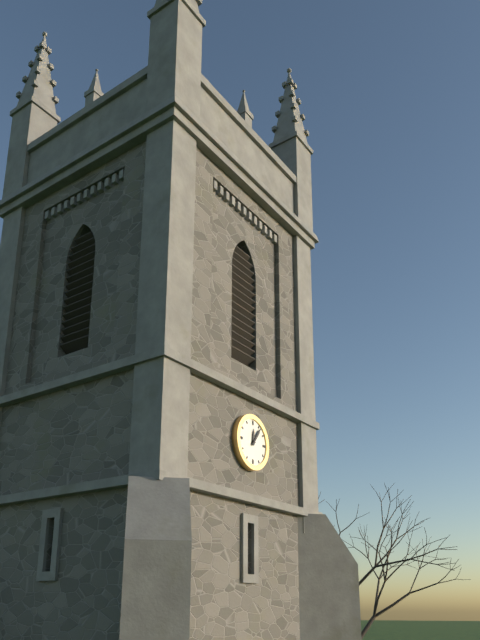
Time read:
12h06
